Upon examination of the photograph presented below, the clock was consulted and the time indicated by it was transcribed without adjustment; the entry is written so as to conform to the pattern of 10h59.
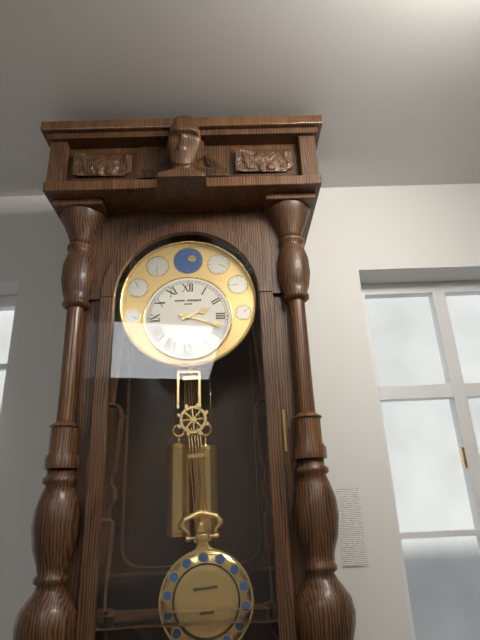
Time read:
2h18
